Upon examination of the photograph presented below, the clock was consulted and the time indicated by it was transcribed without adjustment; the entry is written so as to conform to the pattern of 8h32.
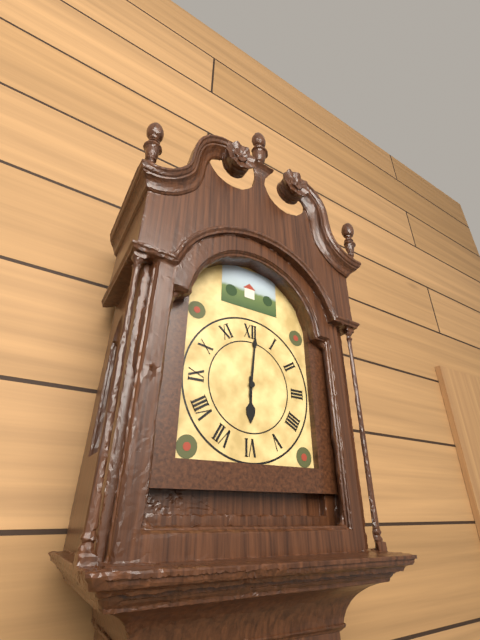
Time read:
6h01
